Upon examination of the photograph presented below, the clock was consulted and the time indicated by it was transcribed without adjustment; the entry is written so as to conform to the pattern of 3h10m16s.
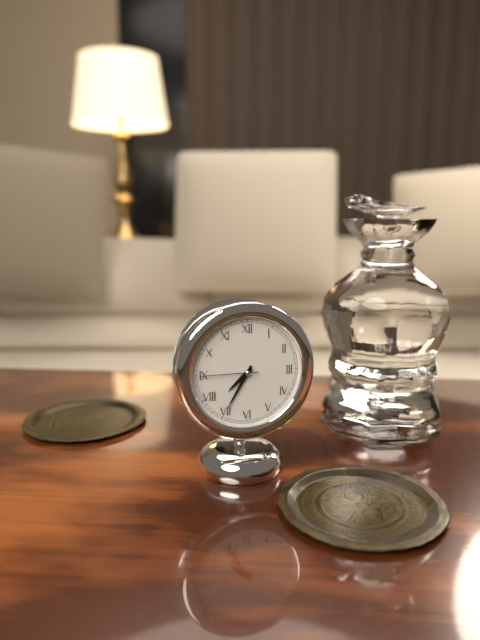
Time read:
7h35m45s
